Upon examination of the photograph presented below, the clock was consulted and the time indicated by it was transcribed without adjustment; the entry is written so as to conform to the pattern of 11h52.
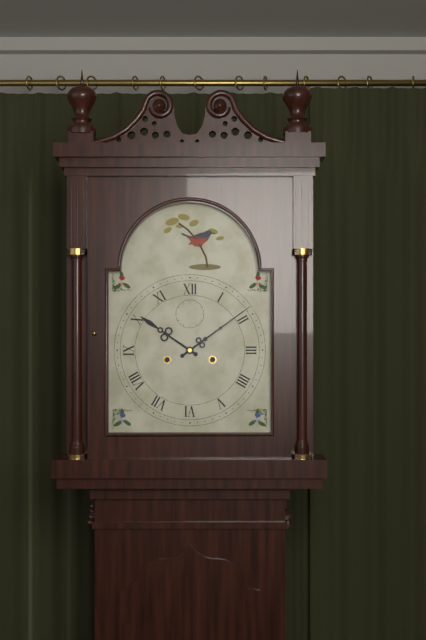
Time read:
10h09
